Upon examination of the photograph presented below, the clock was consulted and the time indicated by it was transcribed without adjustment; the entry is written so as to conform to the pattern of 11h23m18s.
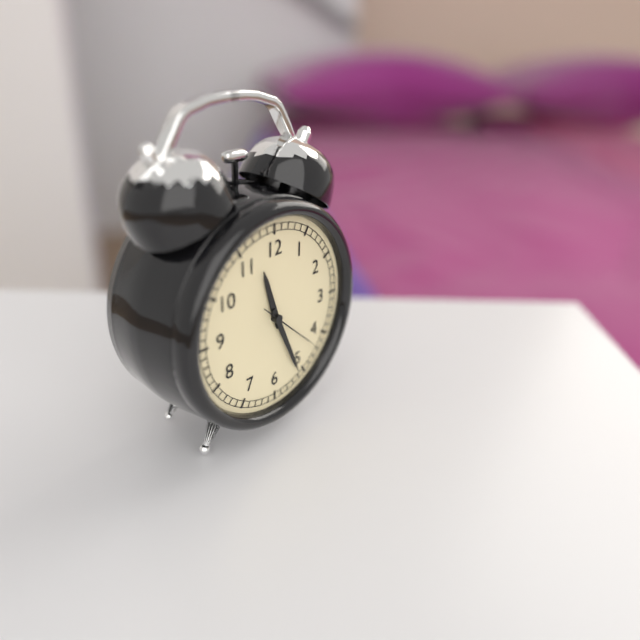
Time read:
11h26m22s
